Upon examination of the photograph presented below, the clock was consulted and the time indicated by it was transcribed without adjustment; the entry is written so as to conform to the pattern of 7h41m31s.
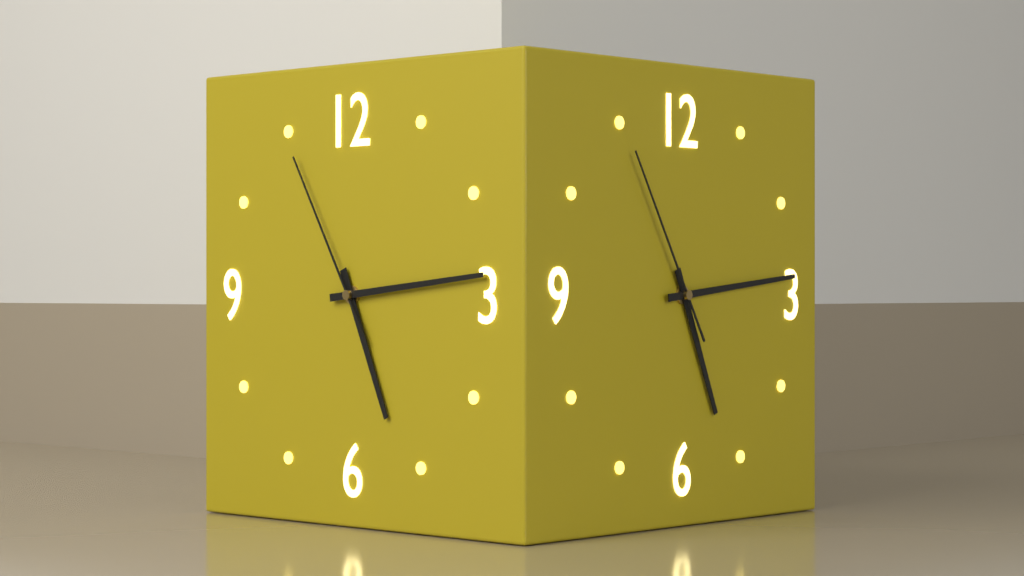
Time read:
5h14m55s
